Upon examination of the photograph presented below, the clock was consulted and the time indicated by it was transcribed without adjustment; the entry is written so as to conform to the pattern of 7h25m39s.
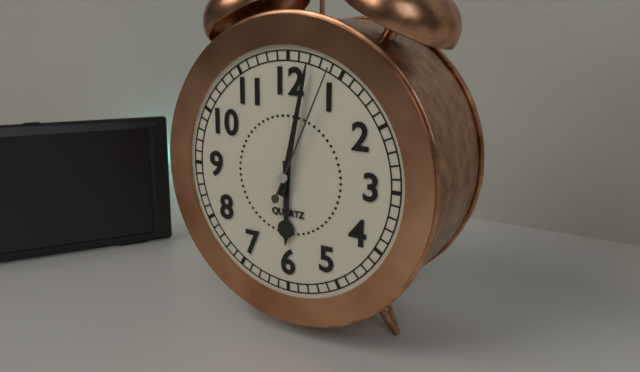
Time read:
6h02m04s
